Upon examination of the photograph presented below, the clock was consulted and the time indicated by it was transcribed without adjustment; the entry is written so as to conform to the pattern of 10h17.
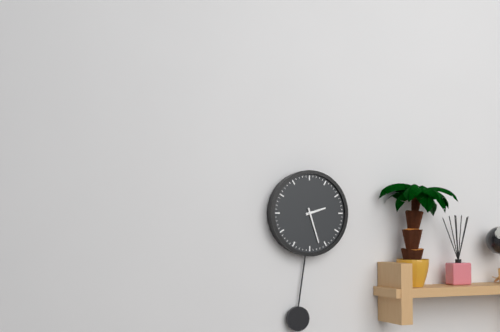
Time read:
2h27
